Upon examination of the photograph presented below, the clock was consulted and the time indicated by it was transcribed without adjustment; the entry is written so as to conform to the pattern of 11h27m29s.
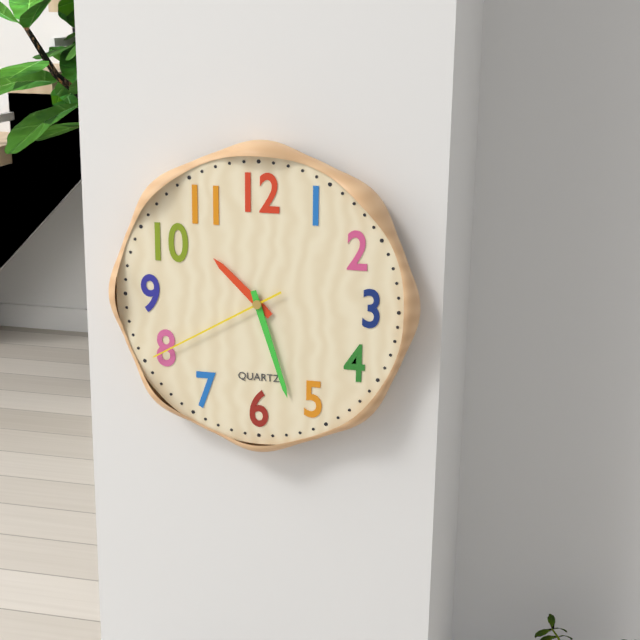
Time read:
10h27m40s
